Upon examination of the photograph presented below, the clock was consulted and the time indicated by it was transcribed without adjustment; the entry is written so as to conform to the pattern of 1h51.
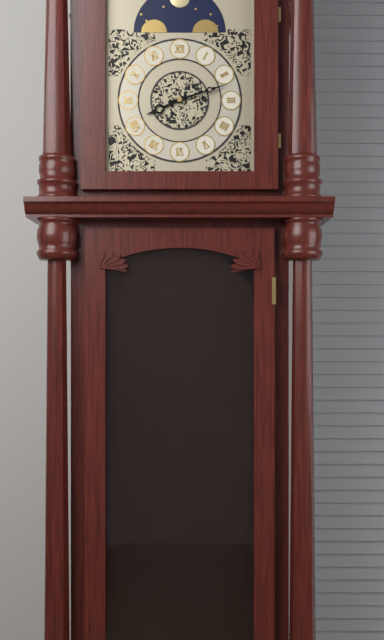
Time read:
8h12
